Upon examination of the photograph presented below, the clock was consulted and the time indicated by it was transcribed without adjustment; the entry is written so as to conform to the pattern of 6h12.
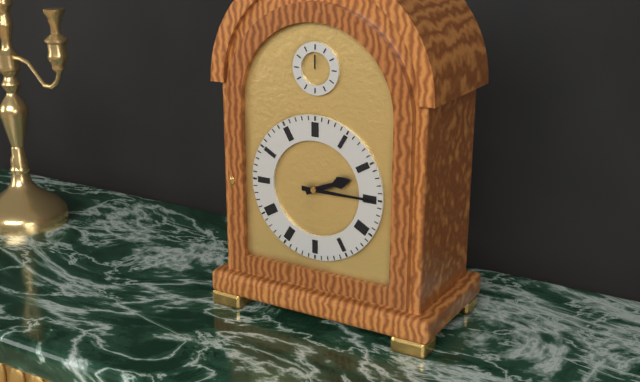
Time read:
2h15
